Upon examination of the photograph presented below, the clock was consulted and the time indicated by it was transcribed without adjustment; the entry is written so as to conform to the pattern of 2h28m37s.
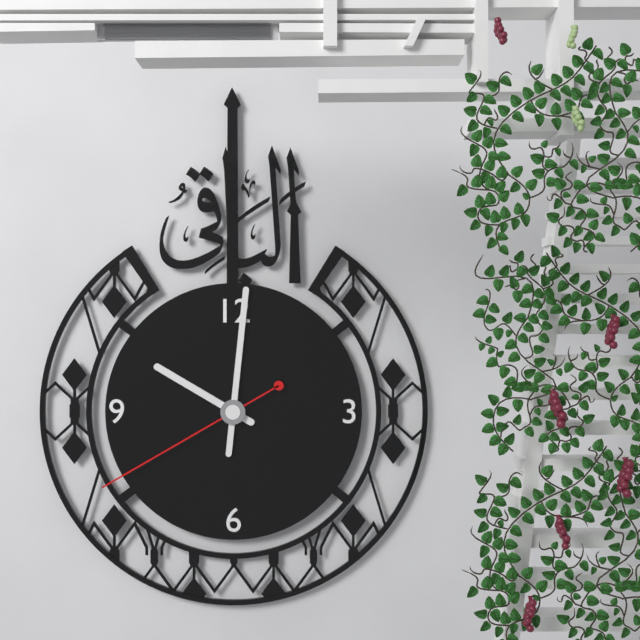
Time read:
10h01m40s
